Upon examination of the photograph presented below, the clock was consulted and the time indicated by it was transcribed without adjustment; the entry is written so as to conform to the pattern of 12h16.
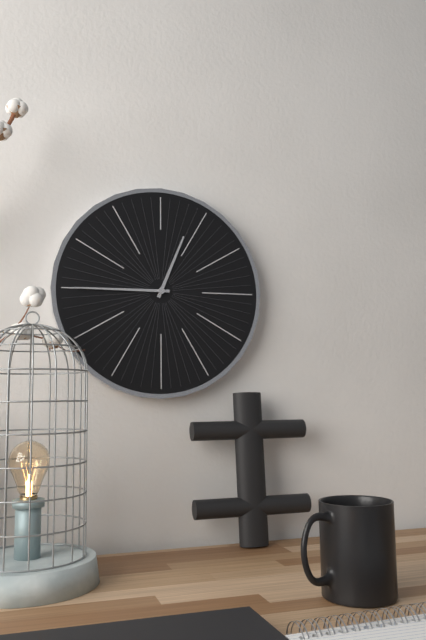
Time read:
12h45
